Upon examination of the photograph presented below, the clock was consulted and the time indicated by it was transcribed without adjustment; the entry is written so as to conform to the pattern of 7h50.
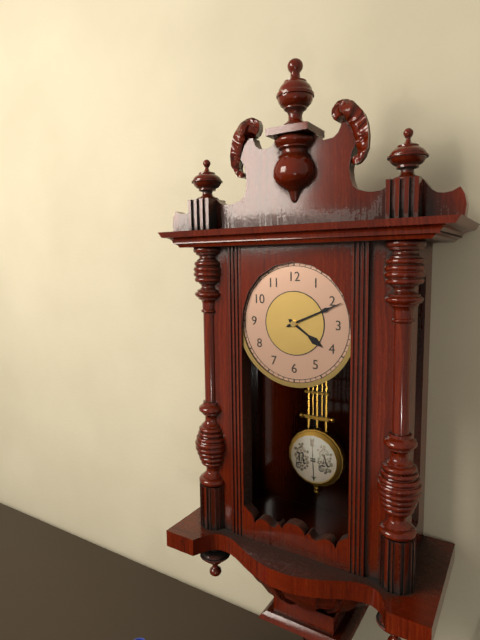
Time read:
4h11
